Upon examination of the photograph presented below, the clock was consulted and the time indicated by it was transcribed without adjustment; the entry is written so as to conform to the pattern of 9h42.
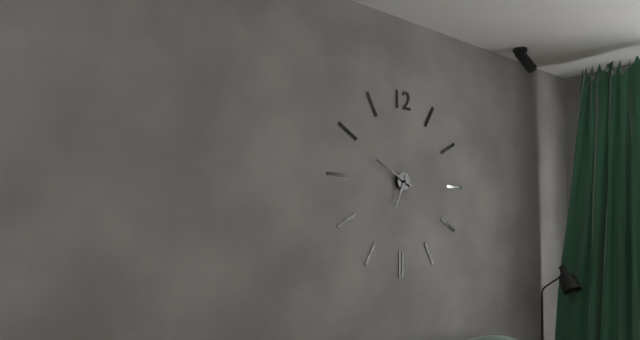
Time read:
6h49
